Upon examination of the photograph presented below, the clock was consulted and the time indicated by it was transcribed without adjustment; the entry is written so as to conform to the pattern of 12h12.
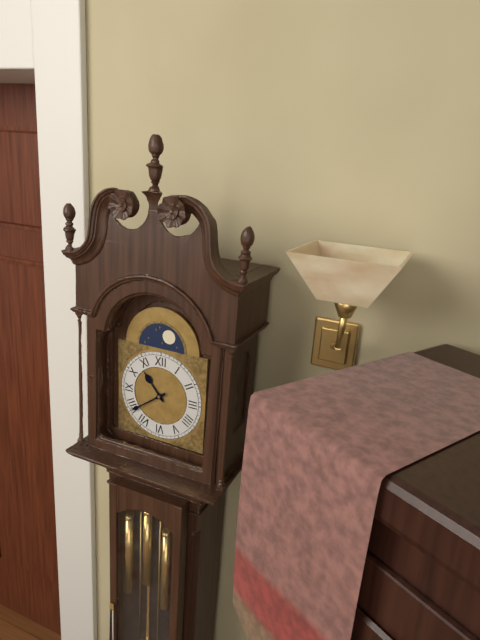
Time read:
10h39
